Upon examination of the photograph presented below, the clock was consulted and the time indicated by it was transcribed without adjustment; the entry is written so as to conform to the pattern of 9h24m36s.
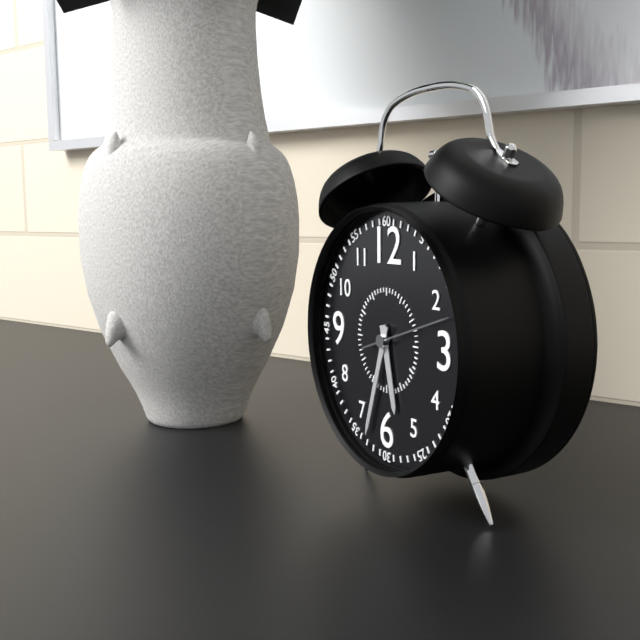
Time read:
5h33m12s
